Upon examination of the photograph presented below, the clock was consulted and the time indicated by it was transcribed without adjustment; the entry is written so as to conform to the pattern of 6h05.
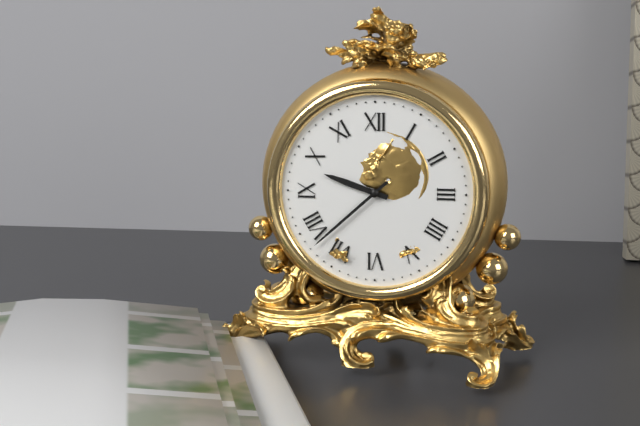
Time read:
9h38
